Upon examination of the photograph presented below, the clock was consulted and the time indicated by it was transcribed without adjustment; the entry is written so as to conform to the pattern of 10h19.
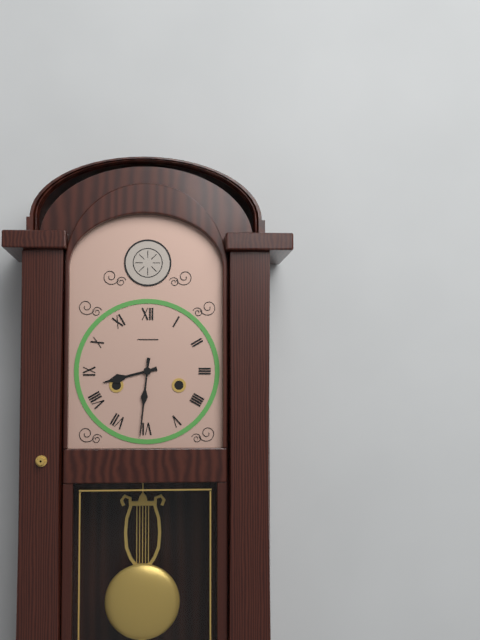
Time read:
8h31
